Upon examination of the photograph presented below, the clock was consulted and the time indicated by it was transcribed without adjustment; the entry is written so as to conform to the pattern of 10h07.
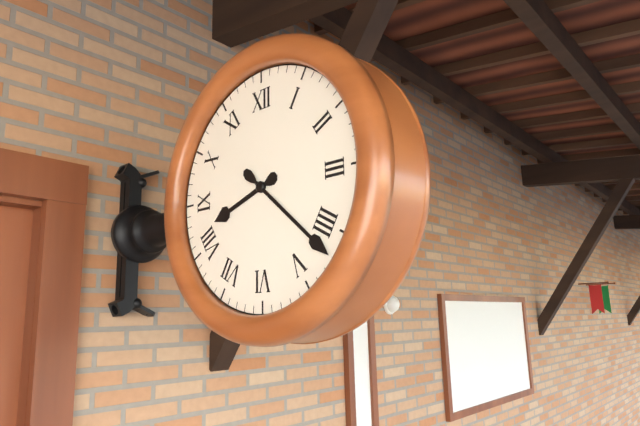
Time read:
8h22
